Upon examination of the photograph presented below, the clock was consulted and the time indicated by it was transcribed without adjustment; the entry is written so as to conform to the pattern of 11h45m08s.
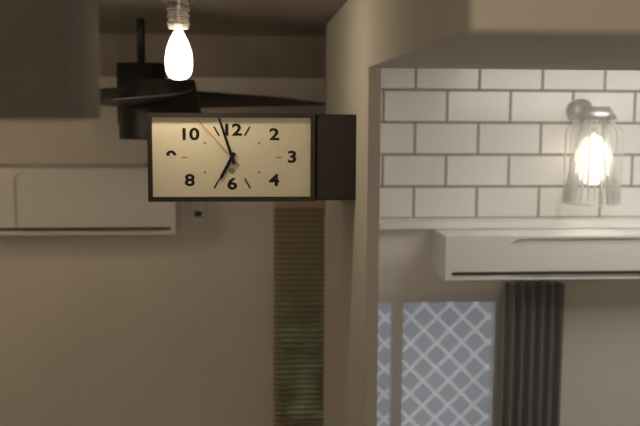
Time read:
6h57m53s
